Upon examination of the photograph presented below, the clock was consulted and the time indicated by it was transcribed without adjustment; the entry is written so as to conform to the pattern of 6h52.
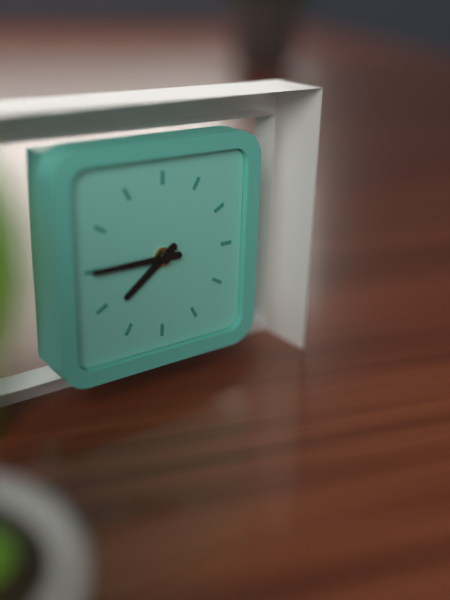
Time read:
7h45
